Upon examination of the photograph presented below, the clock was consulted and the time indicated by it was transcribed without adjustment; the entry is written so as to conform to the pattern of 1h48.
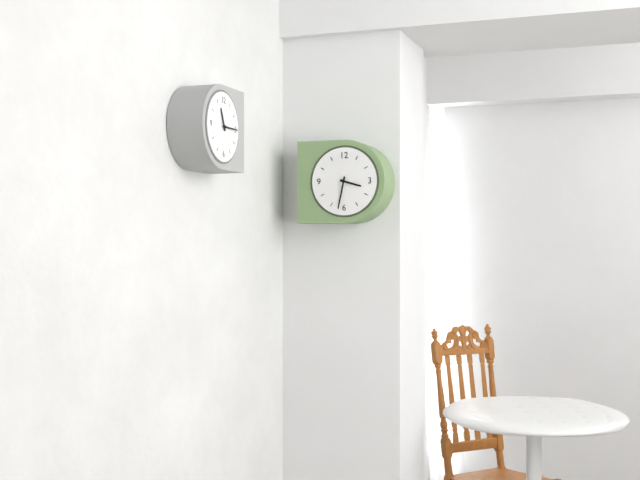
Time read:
3h32
